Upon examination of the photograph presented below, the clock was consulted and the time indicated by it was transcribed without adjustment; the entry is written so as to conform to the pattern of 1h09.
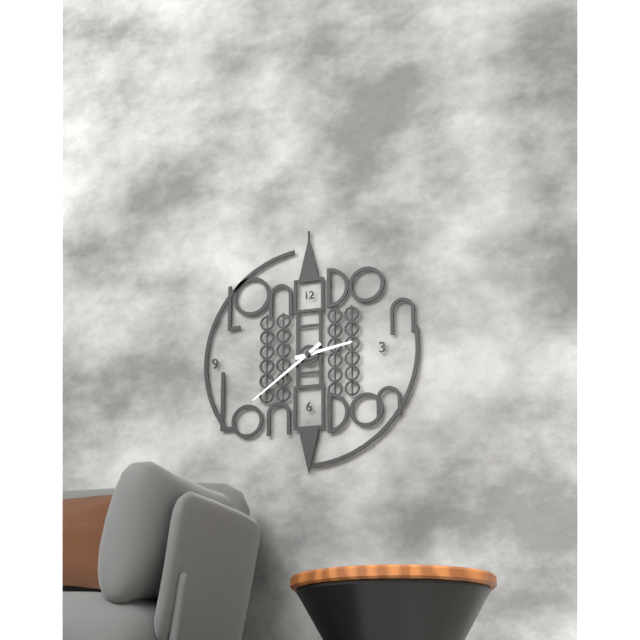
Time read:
2h39
